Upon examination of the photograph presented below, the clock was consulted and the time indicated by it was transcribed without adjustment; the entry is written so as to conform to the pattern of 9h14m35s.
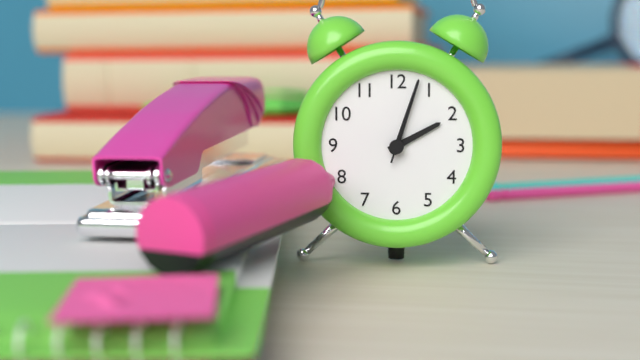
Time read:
2h03m03s
